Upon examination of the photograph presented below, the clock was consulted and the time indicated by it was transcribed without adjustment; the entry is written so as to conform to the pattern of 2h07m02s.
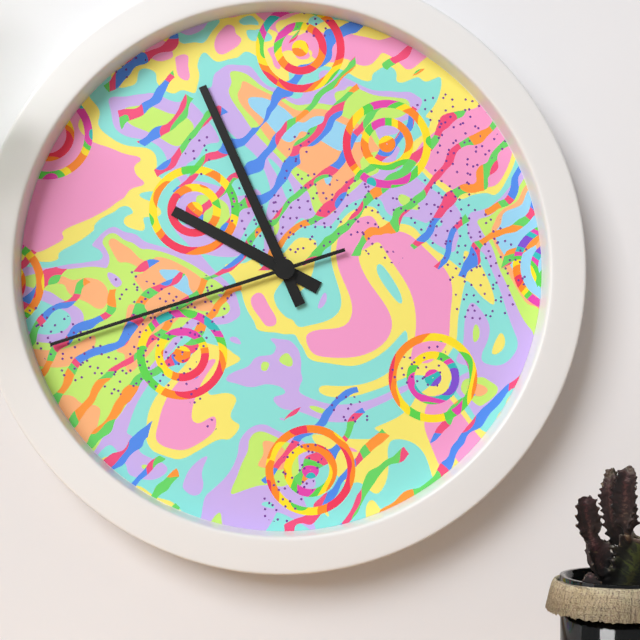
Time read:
9h56m42s
